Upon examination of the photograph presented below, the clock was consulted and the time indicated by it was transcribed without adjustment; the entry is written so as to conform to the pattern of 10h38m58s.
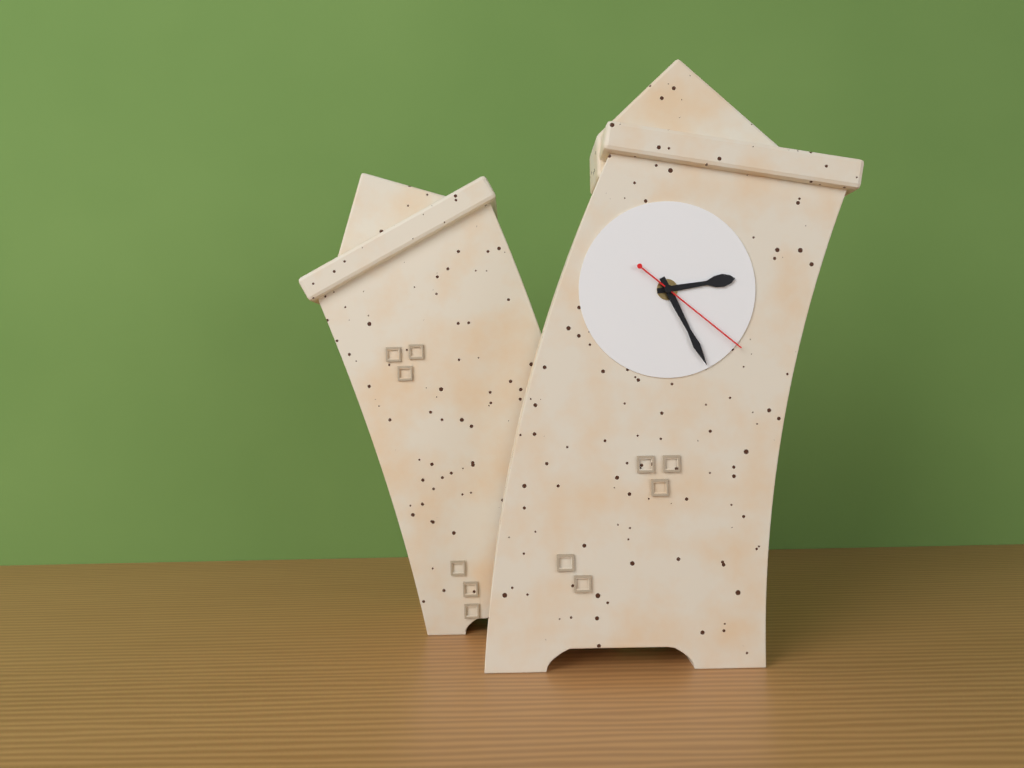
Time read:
2h24m20s
